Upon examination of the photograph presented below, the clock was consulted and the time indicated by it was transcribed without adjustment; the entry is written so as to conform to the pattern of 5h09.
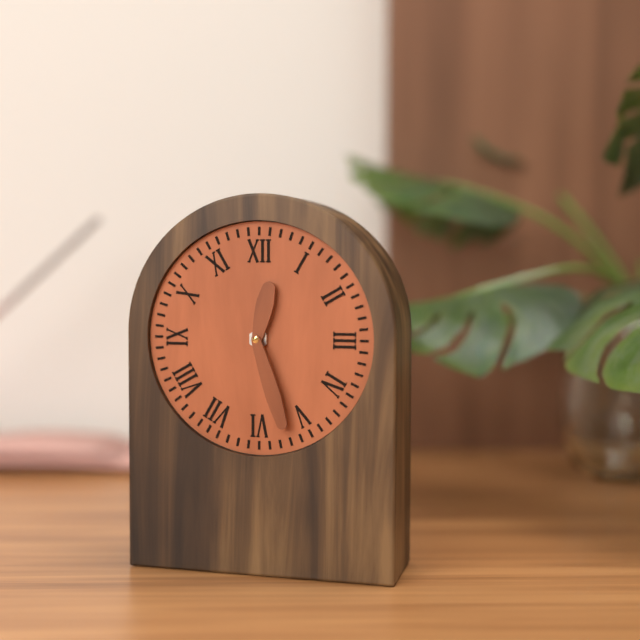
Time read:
12h27
